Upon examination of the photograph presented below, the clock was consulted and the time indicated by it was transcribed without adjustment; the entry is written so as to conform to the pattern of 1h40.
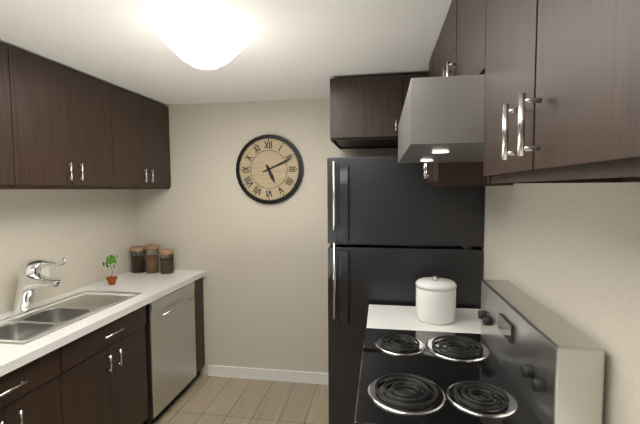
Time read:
5h11
